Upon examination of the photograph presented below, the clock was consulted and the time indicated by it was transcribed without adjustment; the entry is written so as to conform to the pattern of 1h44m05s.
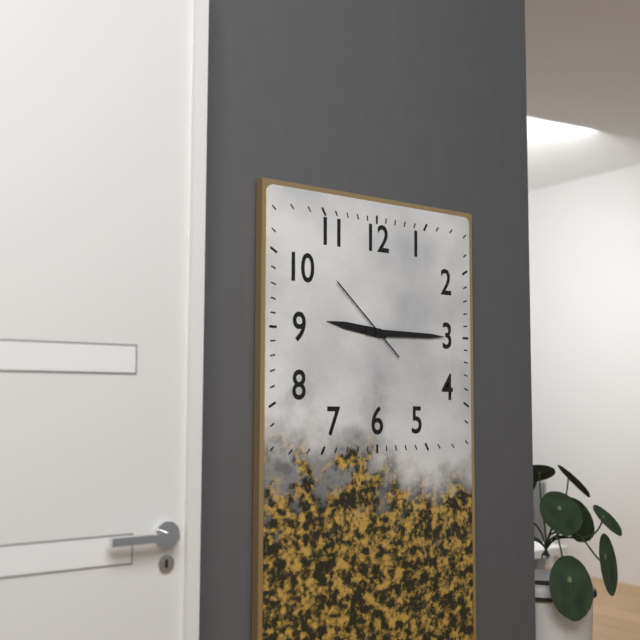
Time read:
9h15m52s
